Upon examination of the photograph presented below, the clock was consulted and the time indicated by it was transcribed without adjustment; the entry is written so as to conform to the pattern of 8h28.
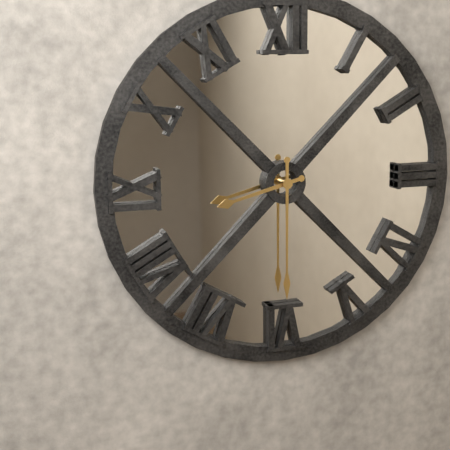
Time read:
8h30
